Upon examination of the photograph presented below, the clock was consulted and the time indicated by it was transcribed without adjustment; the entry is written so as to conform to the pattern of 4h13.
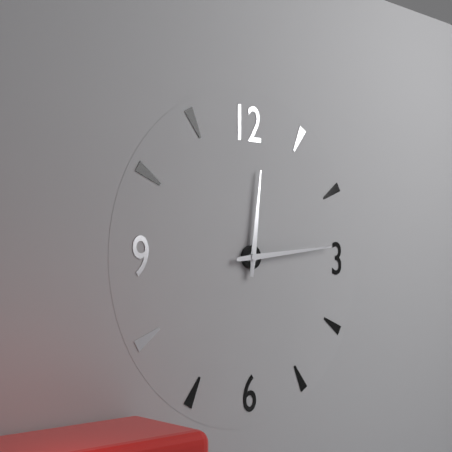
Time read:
12h14
